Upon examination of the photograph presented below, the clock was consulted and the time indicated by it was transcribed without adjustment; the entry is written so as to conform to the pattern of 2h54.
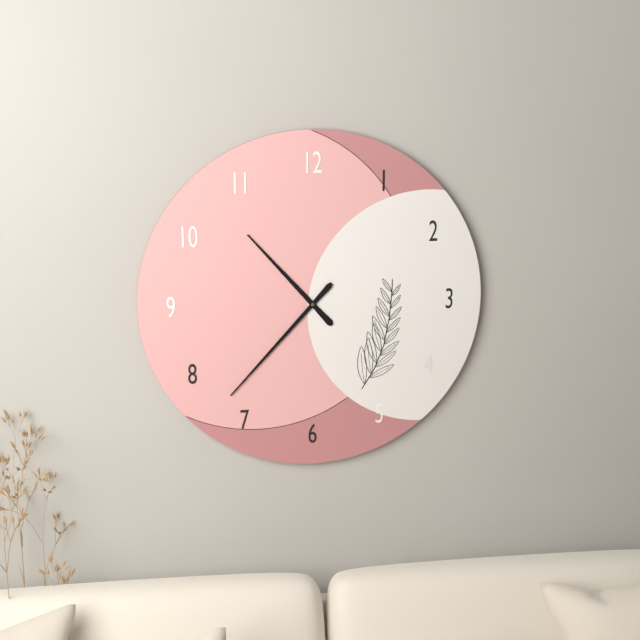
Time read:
10h37
